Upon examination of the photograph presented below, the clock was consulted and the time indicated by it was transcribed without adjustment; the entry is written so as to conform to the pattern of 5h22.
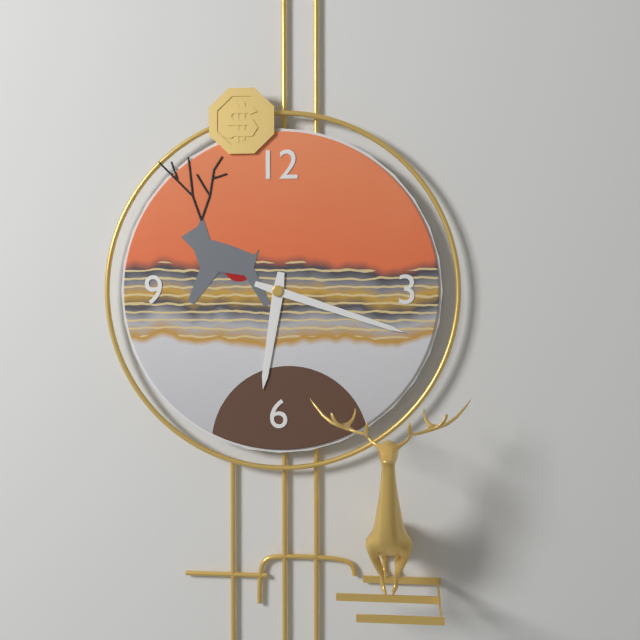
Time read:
6h18
